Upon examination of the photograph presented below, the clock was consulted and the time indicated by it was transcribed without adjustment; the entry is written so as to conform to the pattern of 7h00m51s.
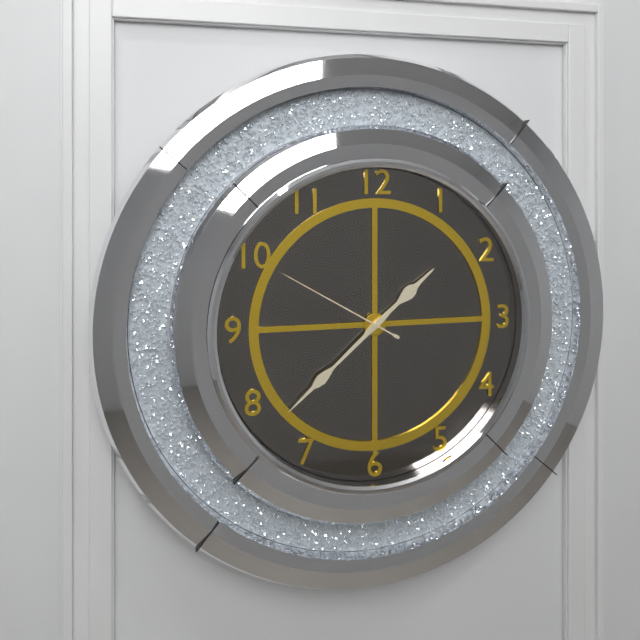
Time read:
1h38m50s
